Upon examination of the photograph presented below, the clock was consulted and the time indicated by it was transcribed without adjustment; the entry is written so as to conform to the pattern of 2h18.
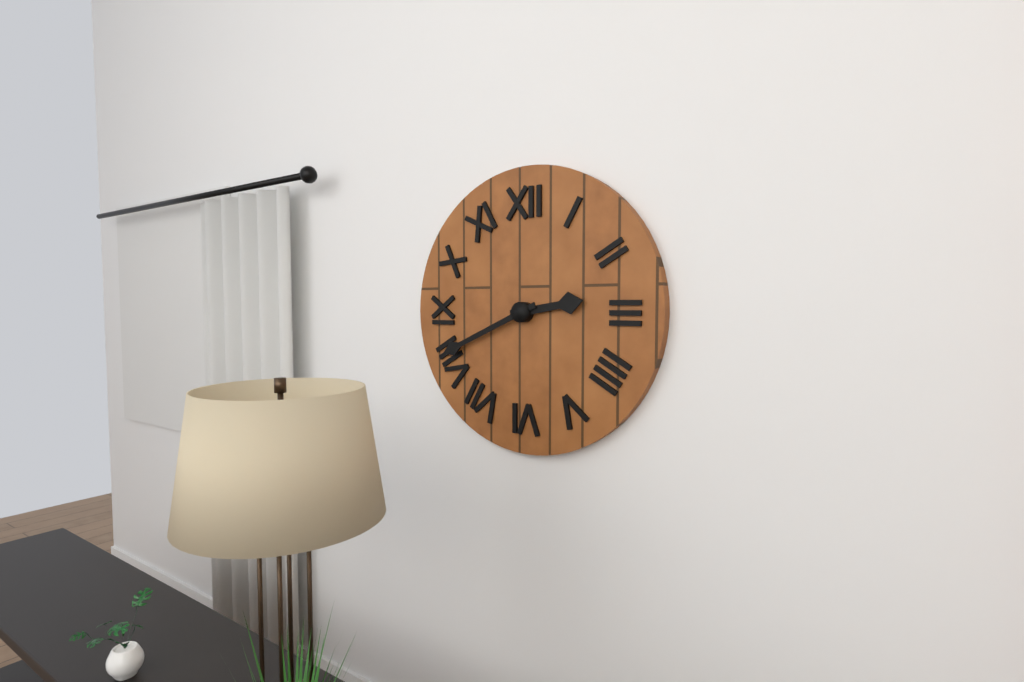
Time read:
2h41
